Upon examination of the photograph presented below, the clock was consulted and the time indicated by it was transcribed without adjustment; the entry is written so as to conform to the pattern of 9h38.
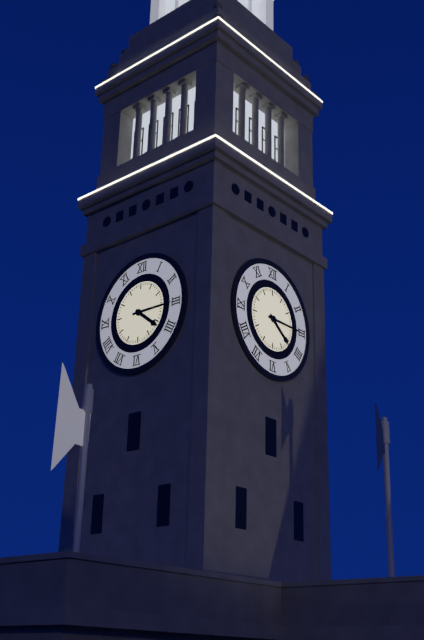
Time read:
4h15
